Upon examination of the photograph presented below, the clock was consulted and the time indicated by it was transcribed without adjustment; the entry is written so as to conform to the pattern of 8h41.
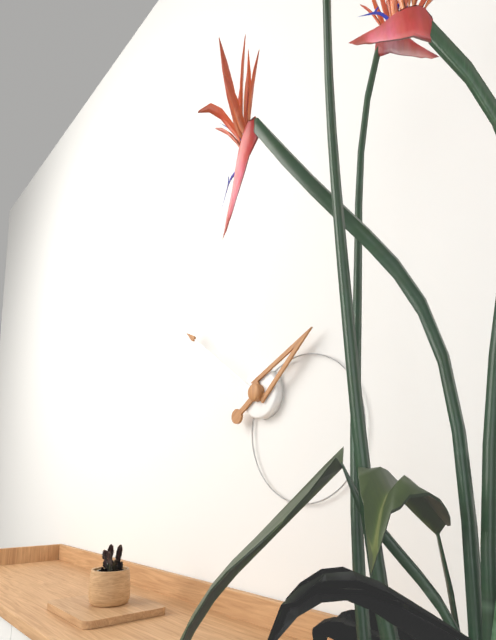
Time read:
1h51
